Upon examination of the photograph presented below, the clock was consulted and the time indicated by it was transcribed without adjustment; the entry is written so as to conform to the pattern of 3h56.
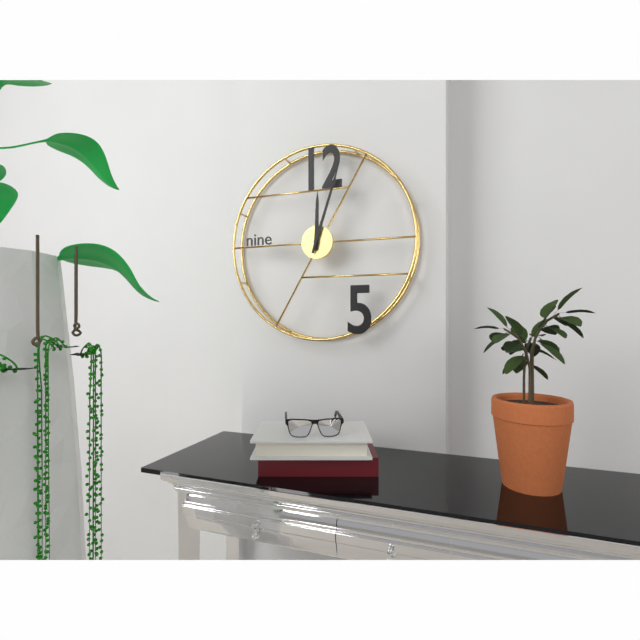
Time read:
12h03
